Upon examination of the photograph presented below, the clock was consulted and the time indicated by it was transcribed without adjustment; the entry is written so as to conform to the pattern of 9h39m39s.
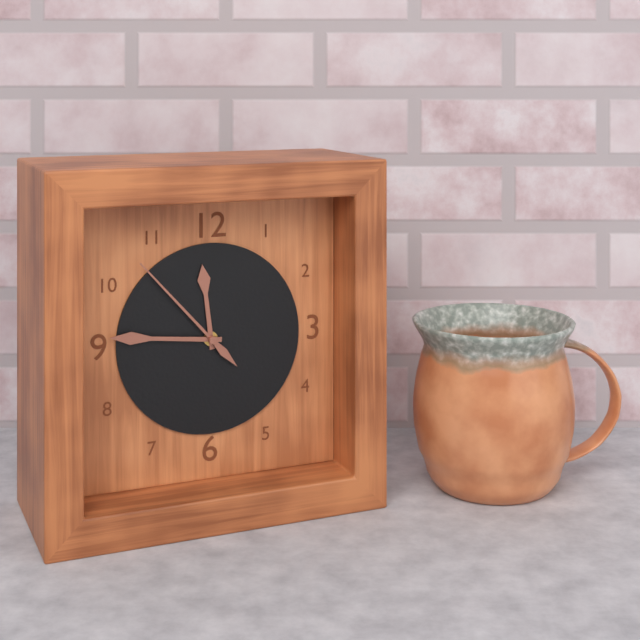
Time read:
11h46m53s
